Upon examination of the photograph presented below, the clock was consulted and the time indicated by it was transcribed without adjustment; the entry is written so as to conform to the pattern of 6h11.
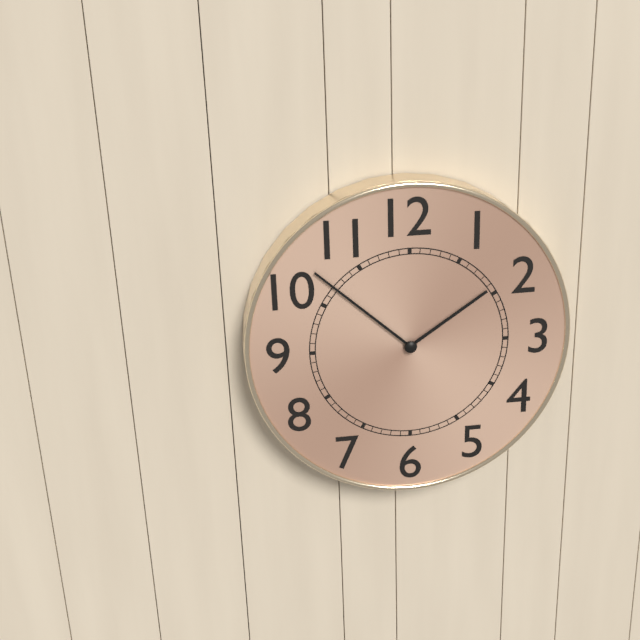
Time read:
1h52
